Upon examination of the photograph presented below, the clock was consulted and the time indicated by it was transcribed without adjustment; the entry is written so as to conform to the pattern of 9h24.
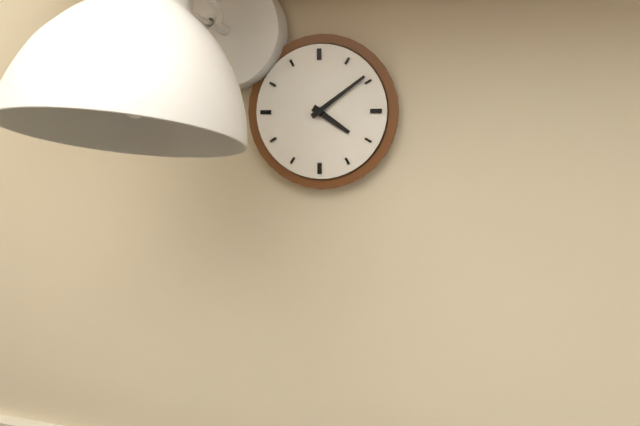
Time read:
4h09
